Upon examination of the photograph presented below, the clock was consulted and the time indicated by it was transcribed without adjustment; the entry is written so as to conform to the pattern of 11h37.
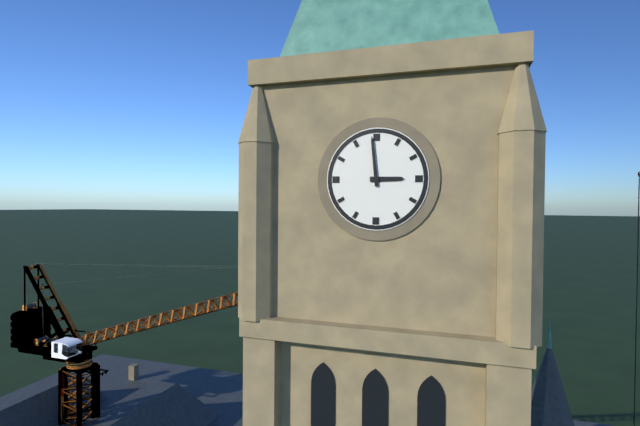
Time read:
2h59
